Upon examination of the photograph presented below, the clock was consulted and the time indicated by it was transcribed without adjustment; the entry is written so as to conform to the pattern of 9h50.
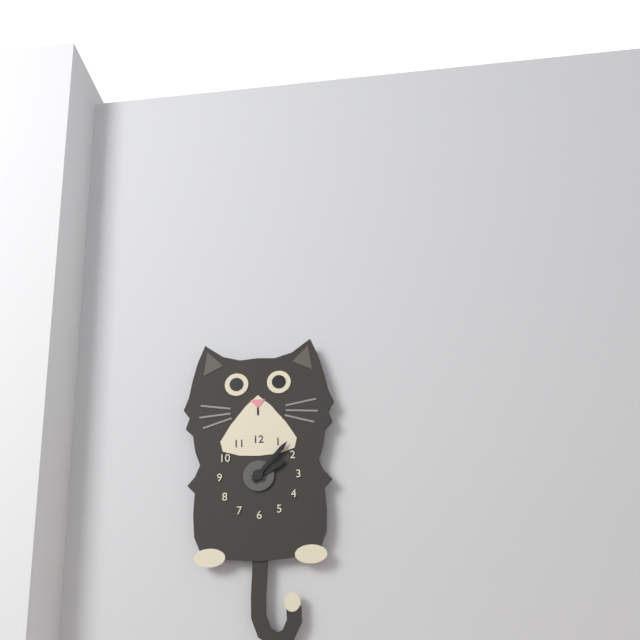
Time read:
2h07
